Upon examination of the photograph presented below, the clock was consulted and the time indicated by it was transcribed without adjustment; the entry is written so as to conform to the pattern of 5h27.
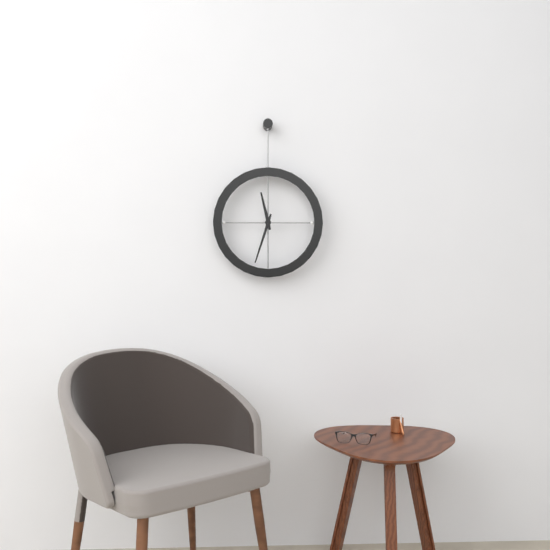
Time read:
11h33
